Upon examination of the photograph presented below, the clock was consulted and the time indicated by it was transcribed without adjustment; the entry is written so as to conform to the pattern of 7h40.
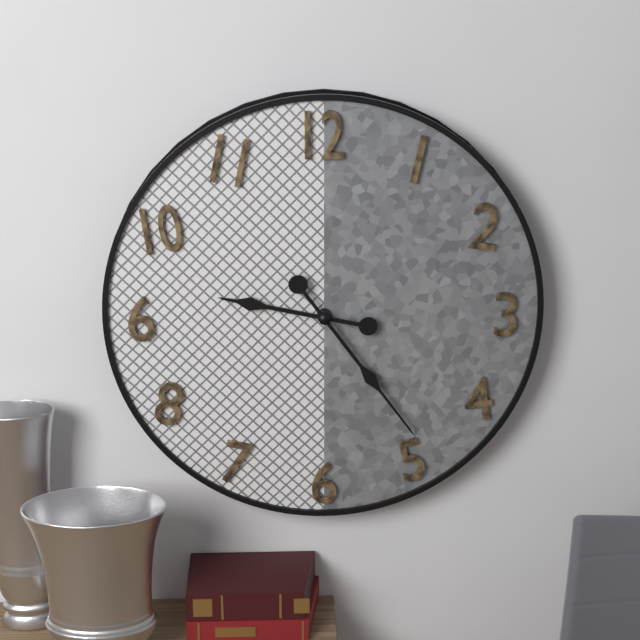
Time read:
9h24
